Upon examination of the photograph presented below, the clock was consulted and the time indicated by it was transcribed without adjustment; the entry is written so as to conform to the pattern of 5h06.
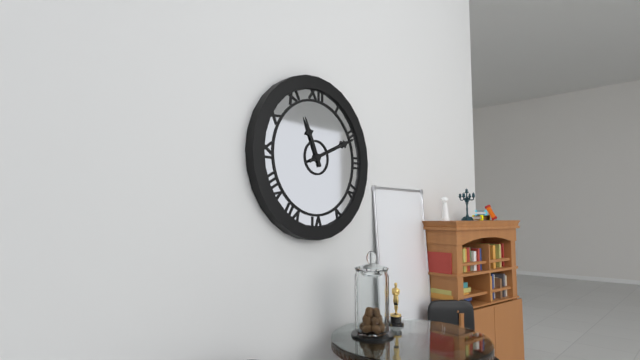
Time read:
11h11
